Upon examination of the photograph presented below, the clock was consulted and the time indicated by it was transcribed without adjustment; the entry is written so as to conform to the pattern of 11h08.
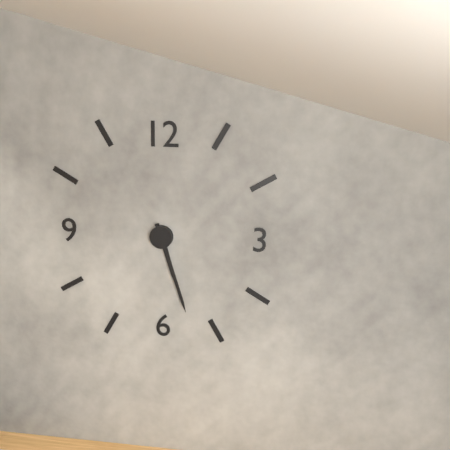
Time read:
5h27
